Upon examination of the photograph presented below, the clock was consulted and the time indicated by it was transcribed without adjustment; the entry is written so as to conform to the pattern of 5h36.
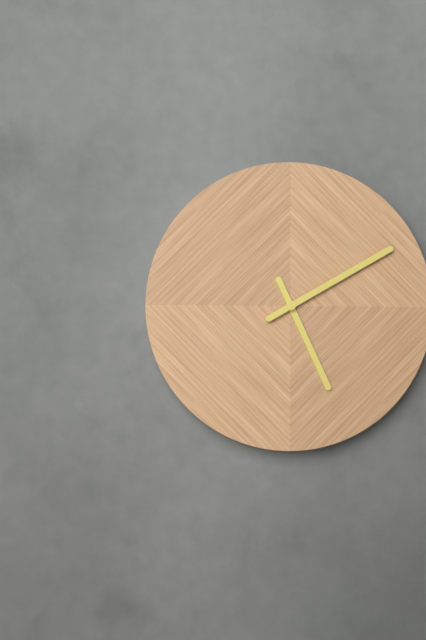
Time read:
5h10
